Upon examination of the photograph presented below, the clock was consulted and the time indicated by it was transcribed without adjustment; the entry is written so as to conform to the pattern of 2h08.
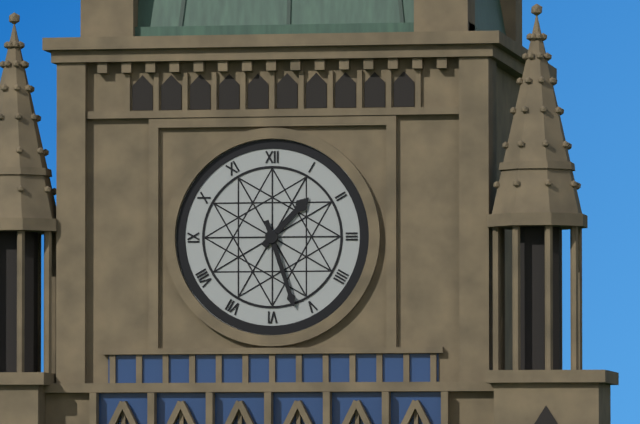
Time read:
1h27
